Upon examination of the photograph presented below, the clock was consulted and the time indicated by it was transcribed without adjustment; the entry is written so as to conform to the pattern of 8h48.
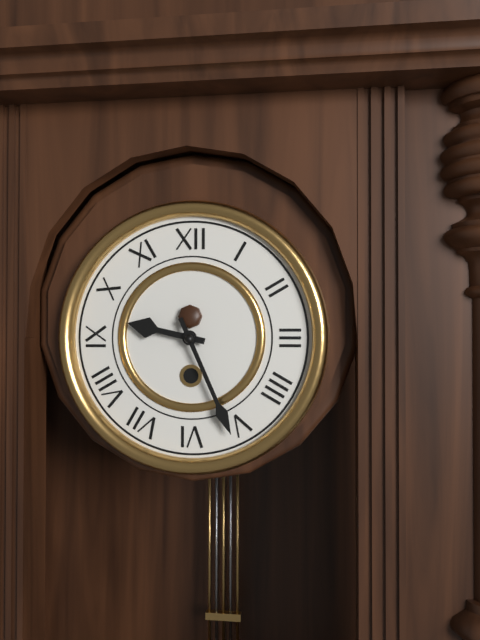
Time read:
9h26
